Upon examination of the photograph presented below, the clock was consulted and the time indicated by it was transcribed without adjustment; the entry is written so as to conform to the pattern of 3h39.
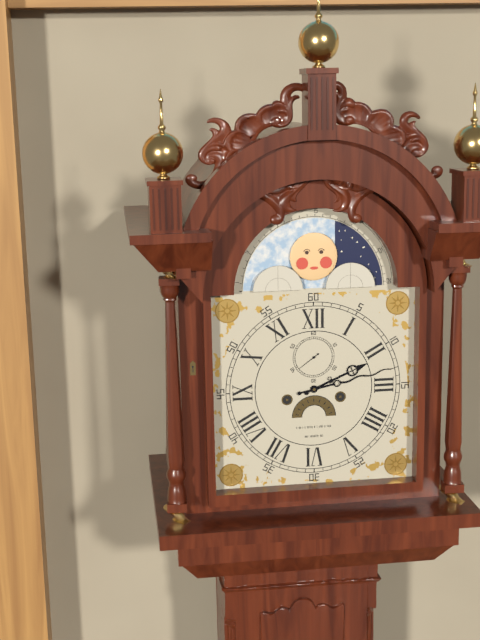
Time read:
2h13
